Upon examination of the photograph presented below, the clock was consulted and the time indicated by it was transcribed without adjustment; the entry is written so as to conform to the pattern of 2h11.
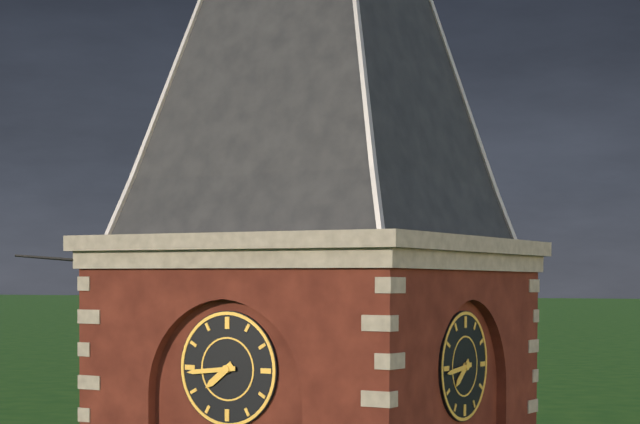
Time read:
7h44
